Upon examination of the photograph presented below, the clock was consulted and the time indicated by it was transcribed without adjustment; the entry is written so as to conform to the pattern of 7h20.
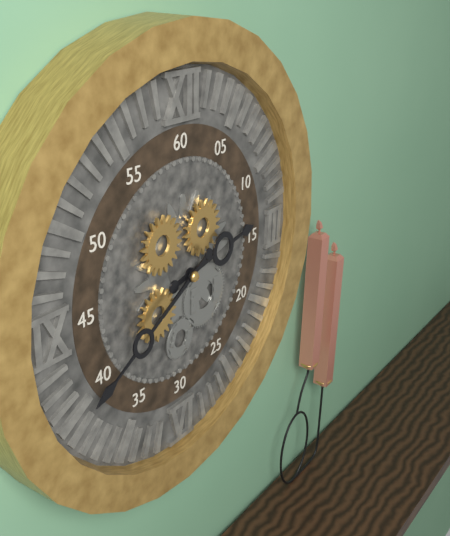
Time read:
2h40
